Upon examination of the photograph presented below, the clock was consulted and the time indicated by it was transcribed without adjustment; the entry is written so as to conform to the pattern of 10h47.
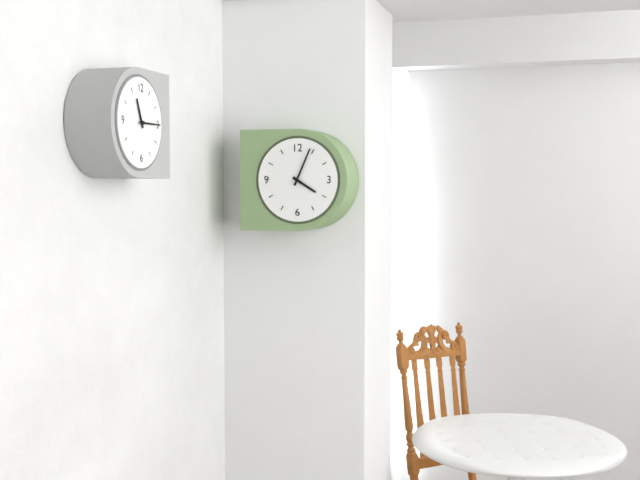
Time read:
4h04
